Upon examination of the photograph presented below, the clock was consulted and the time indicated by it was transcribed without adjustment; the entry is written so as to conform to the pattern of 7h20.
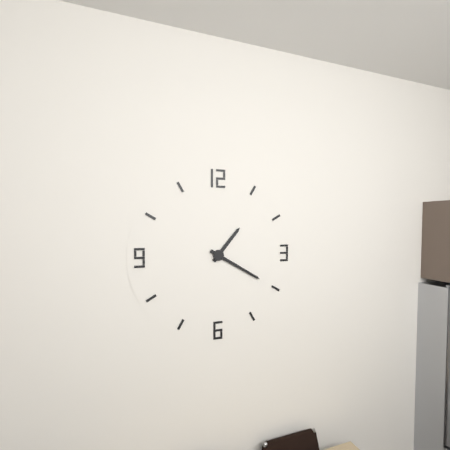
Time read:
1h20
